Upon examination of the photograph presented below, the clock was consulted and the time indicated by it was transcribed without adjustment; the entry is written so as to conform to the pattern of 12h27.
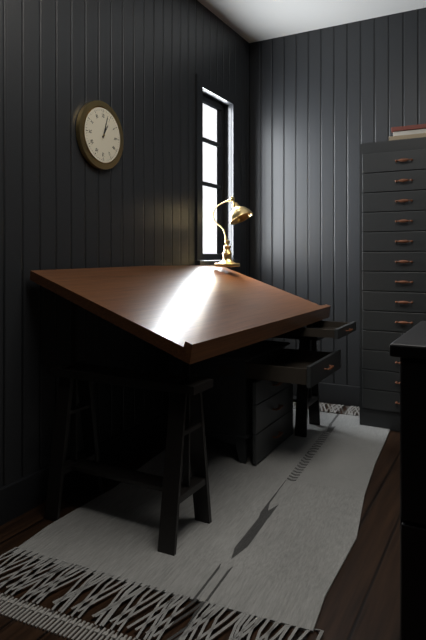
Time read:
1h03
